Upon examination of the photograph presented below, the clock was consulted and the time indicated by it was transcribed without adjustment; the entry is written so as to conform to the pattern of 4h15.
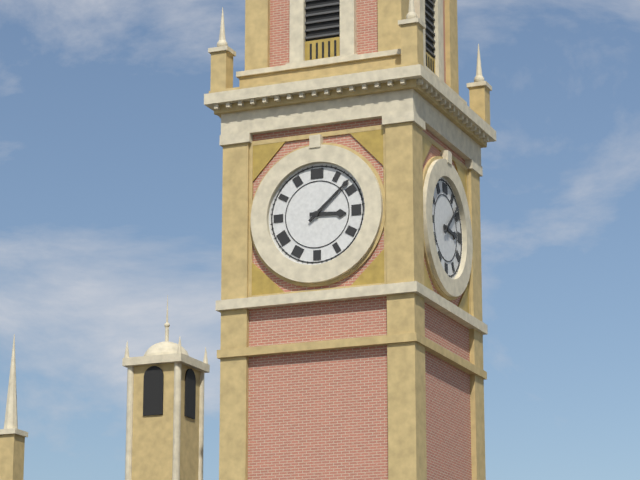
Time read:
3h08
